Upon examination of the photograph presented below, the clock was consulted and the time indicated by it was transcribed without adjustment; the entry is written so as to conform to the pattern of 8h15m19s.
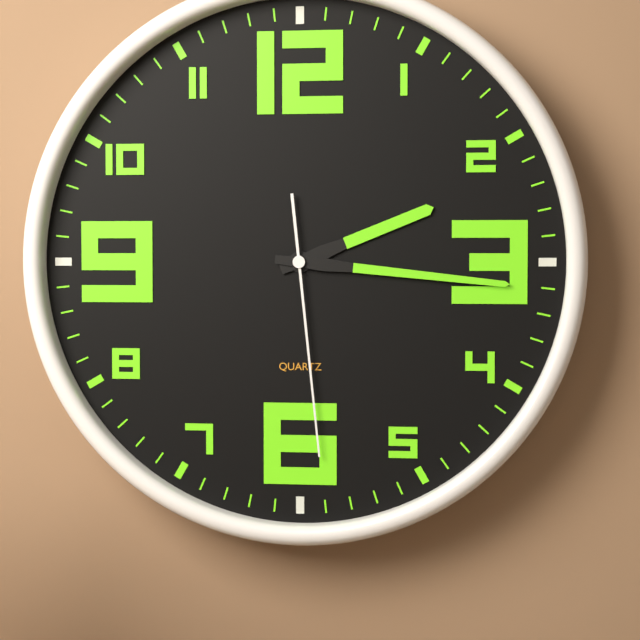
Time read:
2h16m29s
